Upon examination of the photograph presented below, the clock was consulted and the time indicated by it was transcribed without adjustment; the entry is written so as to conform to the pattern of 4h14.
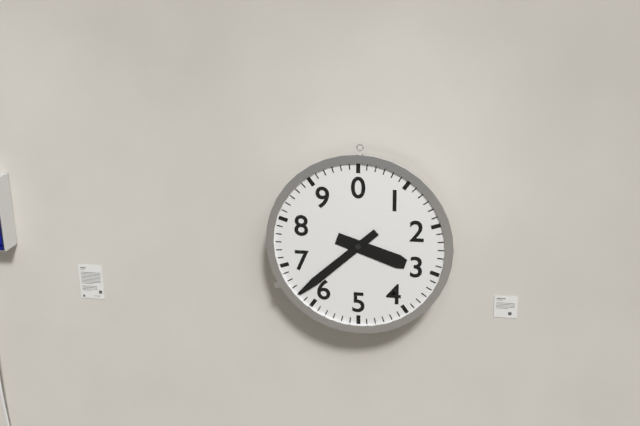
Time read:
3h38
